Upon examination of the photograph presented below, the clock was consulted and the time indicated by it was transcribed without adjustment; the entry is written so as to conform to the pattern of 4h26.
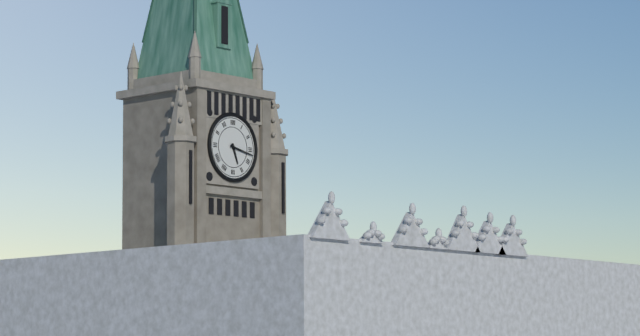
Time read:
5h17
